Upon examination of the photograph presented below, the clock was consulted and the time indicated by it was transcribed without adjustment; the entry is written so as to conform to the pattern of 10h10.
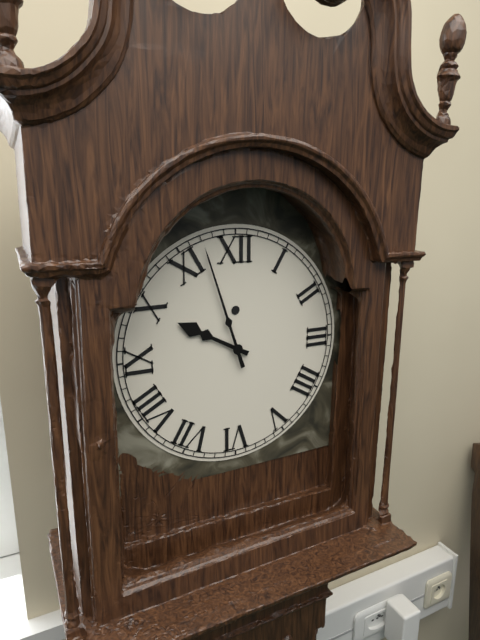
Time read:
9h57
